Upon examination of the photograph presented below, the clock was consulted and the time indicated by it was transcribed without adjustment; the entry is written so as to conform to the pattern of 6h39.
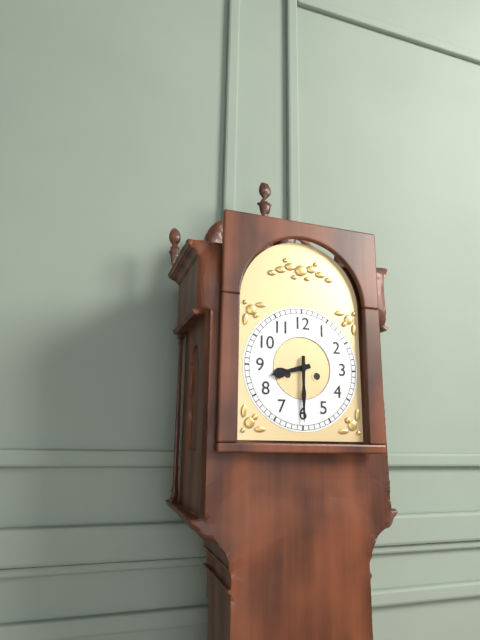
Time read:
8h30
